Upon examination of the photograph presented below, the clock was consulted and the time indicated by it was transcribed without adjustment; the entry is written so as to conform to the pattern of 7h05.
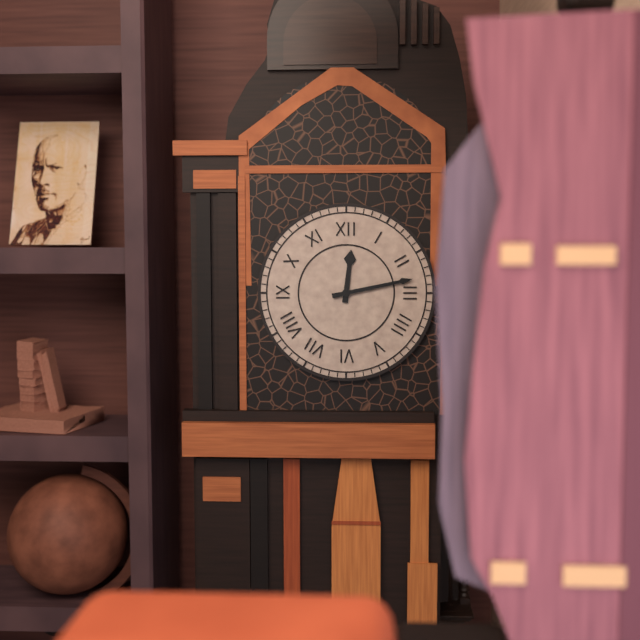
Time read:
12h13
